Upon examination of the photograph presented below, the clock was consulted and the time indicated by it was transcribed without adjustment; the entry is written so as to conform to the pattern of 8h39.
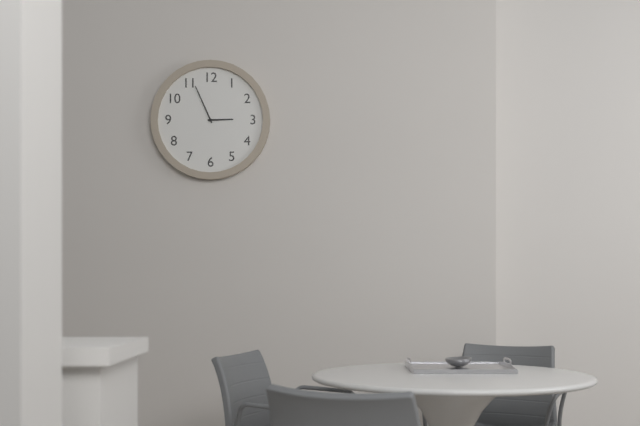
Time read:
2h56
